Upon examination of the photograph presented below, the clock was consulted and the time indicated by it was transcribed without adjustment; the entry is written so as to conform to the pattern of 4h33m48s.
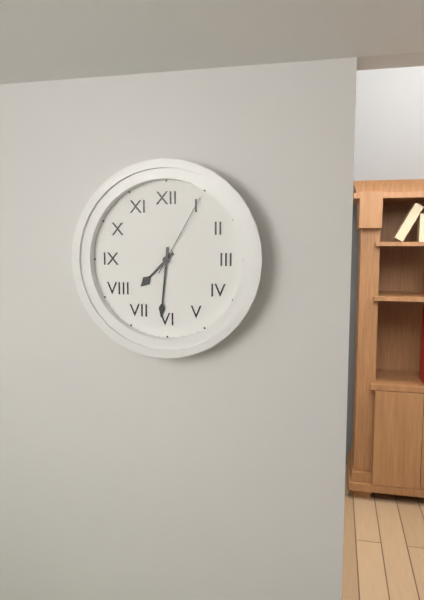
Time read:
7h31m05s
